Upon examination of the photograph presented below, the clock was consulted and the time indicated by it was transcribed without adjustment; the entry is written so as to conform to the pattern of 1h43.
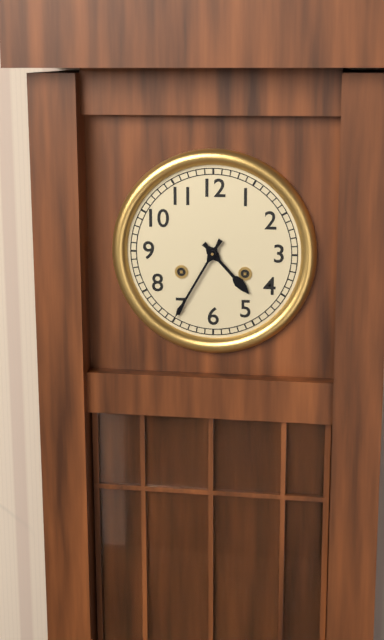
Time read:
4h35
